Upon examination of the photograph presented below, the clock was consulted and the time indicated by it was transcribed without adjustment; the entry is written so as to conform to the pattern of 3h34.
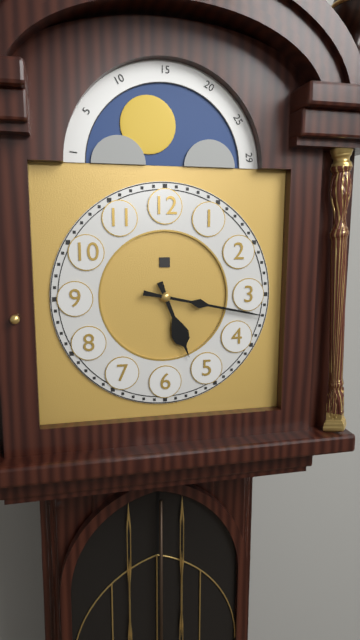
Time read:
5h17
